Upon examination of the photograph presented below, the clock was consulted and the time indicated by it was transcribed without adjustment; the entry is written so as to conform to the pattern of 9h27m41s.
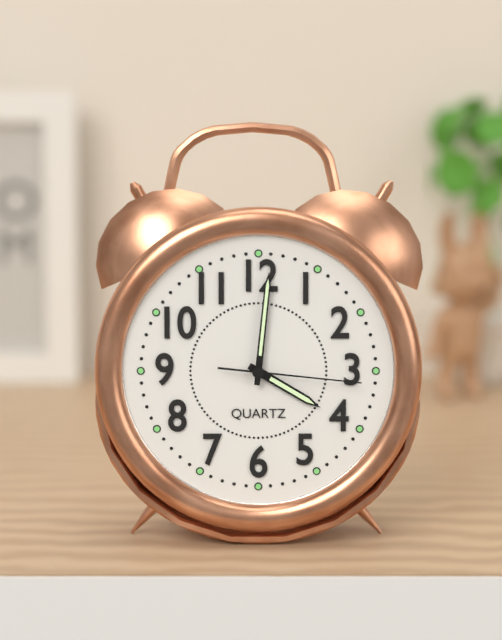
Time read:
4h01m16s
